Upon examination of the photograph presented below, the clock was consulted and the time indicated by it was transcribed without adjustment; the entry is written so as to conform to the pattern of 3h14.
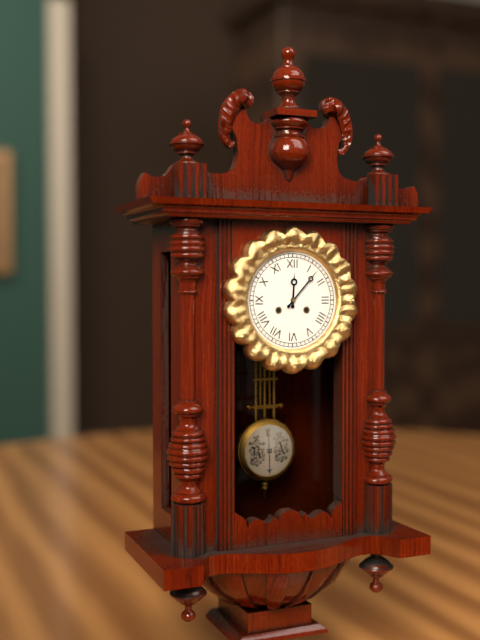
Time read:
12h07
